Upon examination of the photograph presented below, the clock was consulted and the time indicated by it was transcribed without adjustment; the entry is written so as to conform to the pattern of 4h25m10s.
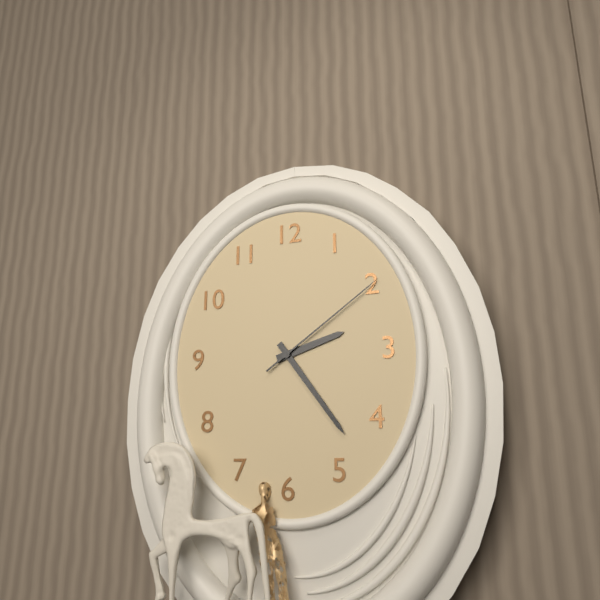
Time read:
2h24m09s
